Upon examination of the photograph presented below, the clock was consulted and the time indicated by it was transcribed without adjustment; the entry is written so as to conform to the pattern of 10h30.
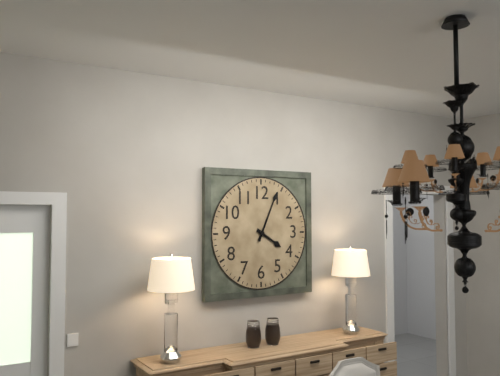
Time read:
4h04
